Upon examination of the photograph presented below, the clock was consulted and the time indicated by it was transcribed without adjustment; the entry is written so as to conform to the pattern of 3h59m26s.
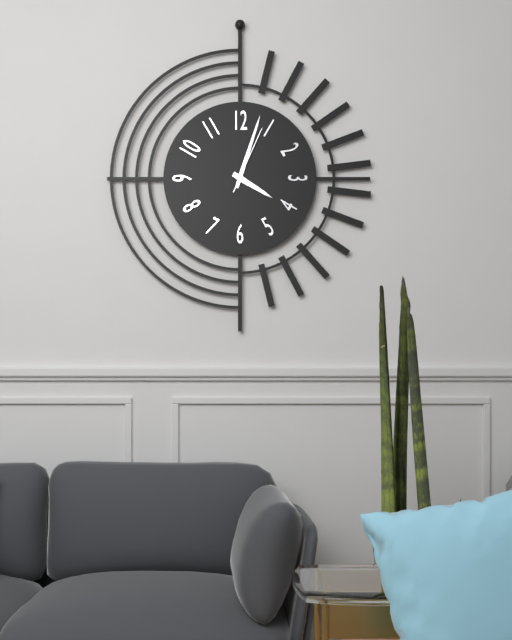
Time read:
4h03m04s
